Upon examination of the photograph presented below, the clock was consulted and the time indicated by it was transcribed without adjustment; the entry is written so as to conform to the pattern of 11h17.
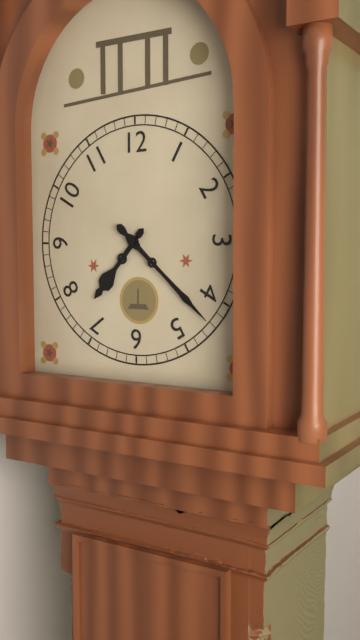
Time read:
7h22
